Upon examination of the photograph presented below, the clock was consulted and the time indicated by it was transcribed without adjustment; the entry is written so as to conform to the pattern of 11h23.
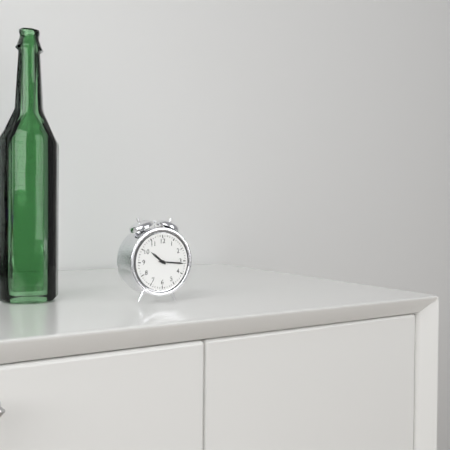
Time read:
10h16
